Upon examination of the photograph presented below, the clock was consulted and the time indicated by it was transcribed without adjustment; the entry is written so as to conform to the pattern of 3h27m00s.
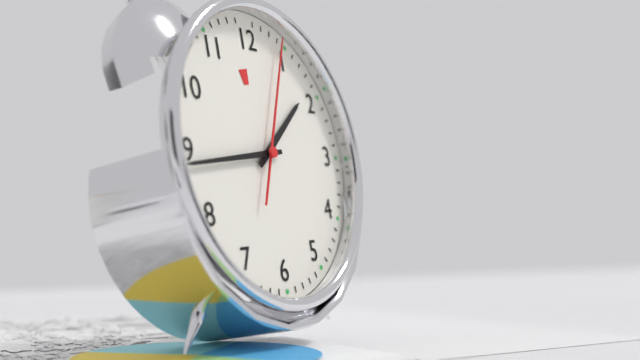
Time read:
1h44m04s
